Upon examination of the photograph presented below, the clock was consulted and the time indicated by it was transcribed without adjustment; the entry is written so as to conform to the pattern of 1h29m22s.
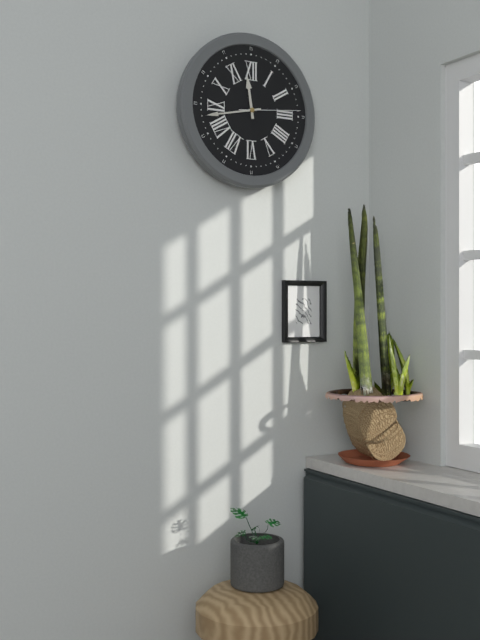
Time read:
11h43m14s
